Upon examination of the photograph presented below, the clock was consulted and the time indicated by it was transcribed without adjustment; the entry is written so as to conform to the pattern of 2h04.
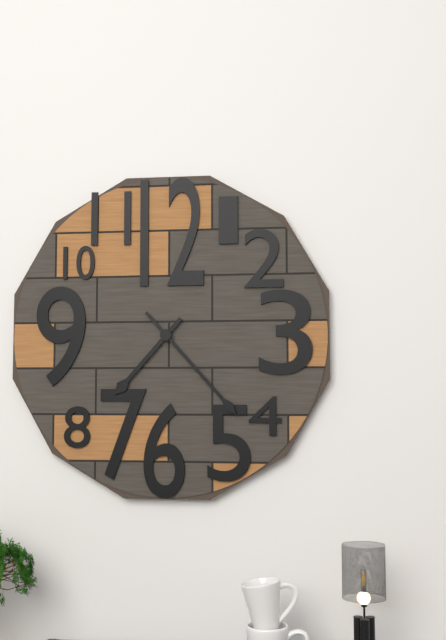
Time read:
7h23
